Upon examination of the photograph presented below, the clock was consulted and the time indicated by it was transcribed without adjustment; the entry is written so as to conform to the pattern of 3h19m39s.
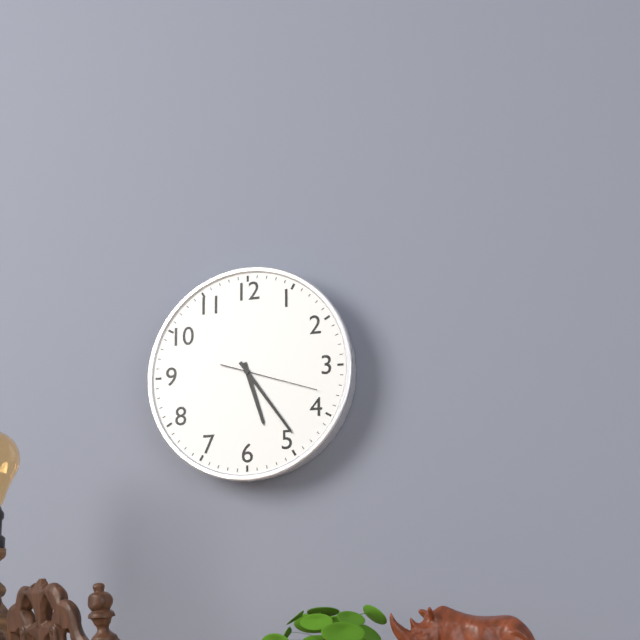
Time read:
5h24m18s
